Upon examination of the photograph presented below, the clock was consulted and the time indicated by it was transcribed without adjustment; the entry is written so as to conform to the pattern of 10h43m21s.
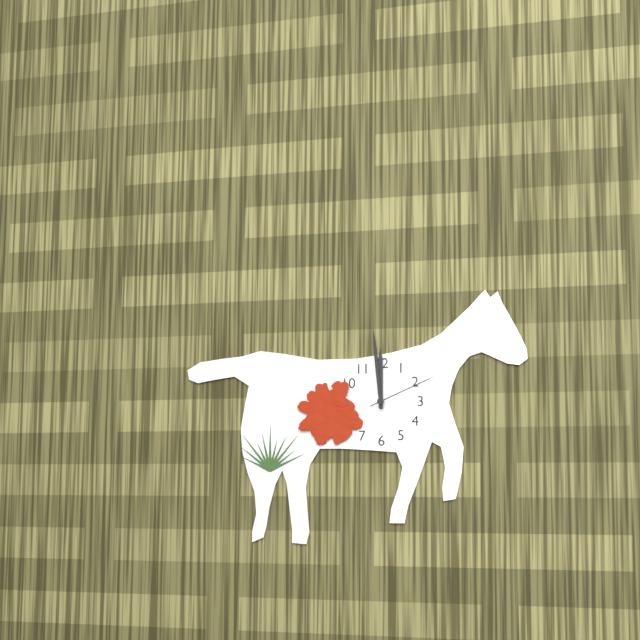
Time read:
11h59m11s
